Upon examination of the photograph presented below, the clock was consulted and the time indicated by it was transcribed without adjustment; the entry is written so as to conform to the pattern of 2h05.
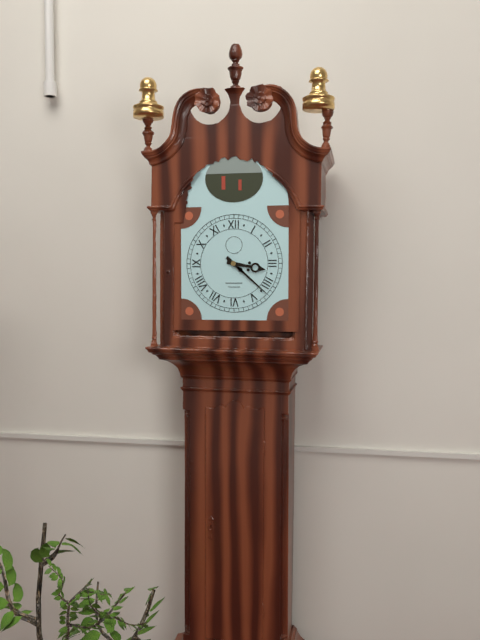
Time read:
3h22
